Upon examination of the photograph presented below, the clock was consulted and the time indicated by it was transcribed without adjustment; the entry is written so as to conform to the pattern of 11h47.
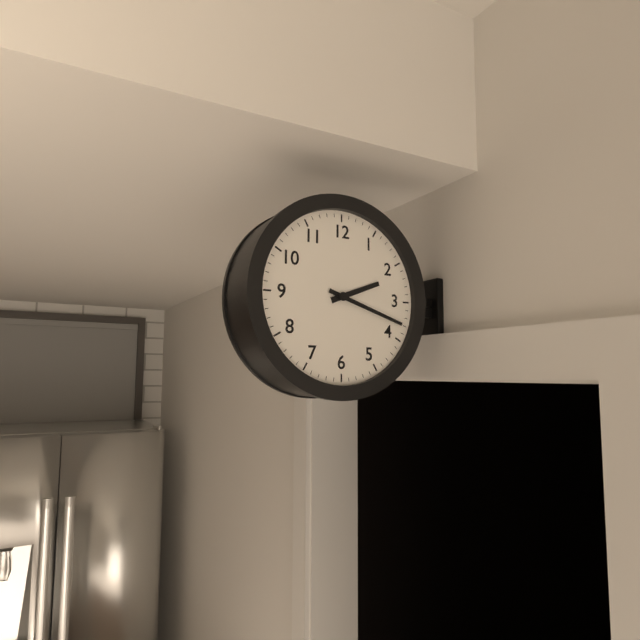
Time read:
2h18
